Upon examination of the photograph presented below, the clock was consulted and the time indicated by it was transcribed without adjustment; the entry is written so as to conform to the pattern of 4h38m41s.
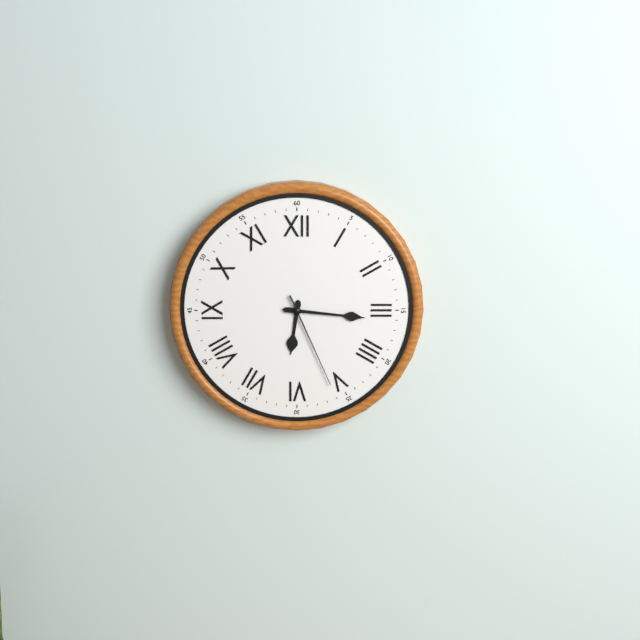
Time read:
6h16m26s
